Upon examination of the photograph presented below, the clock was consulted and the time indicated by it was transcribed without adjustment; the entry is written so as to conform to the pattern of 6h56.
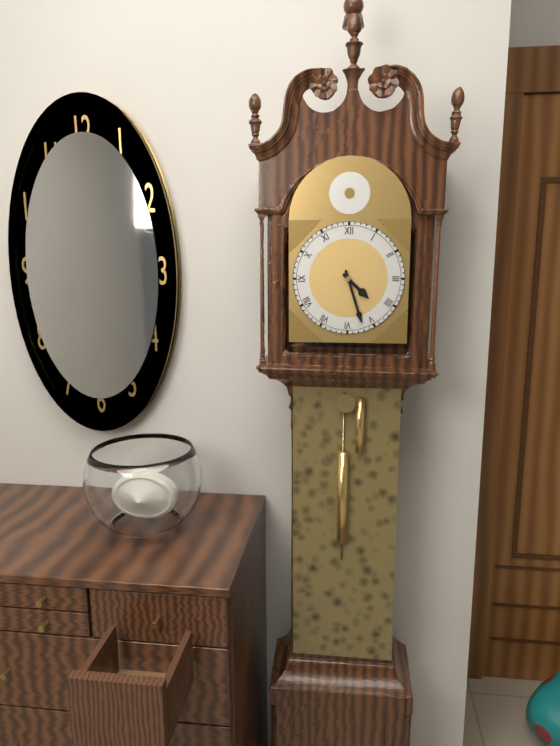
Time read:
4h27
